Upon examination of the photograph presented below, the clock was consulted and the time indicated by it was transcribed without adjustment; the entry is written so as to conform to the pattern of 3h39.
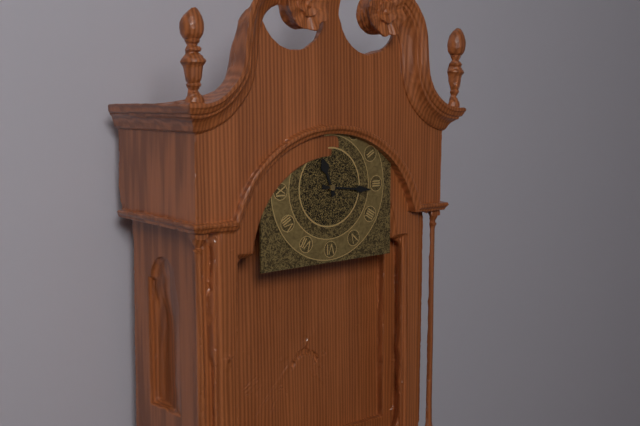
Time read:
11h16
